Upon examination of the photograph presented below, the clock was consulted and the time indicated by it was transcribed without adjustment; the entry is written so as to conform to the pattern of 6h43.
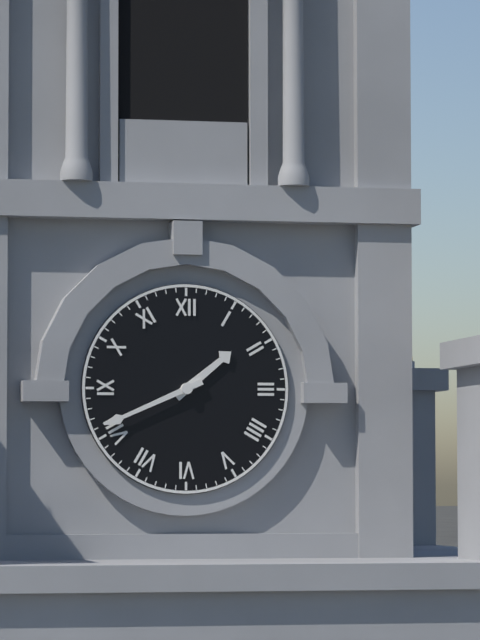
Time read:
1h41
